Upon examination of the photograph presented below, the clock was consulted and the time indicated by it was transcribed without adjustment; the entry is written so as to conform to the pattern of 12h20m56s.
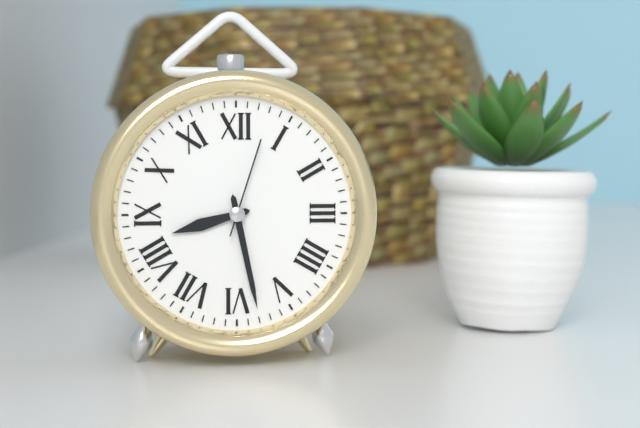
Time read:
8h28m03s
